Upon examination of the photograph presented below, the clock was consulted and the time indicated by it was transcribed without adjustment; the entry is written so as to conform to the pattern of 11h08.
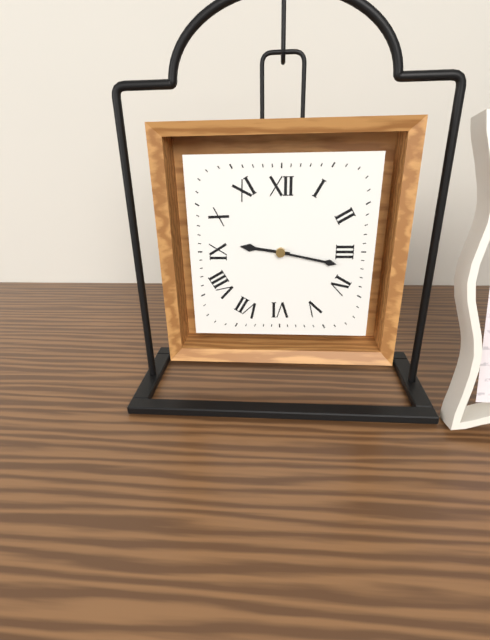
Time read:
9h17
